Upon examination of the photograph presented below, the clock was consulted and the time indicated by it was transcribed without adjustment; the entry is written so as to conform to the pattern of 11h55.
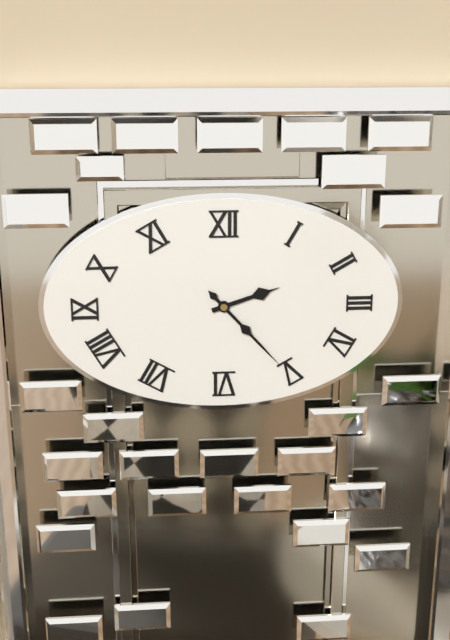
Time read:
2h23
